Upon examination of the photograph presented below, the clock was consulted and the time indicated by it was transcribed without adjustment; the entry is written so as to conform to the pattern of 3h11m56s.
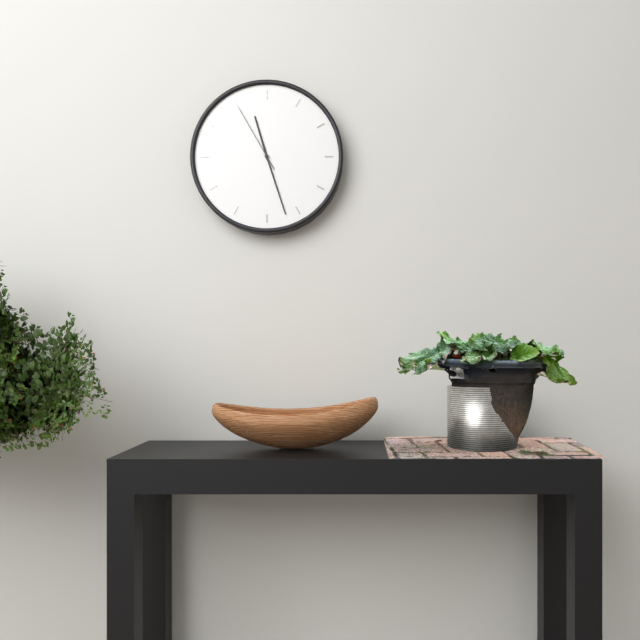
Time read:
11h27m55s
